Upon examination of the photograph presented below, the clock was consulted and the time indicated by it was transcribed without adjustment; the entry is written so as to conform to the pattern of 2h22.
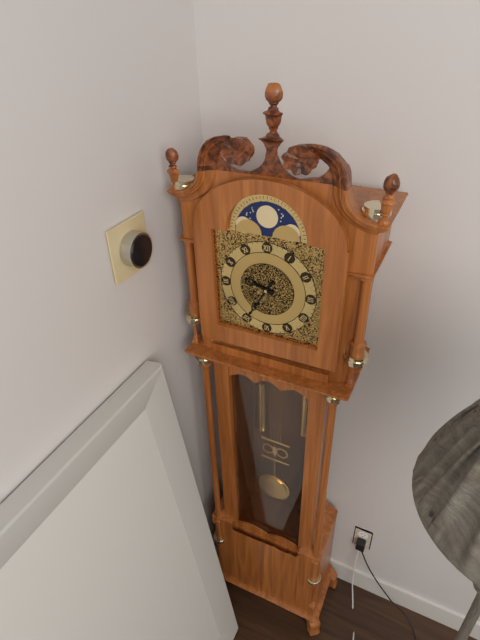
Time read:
9h35
